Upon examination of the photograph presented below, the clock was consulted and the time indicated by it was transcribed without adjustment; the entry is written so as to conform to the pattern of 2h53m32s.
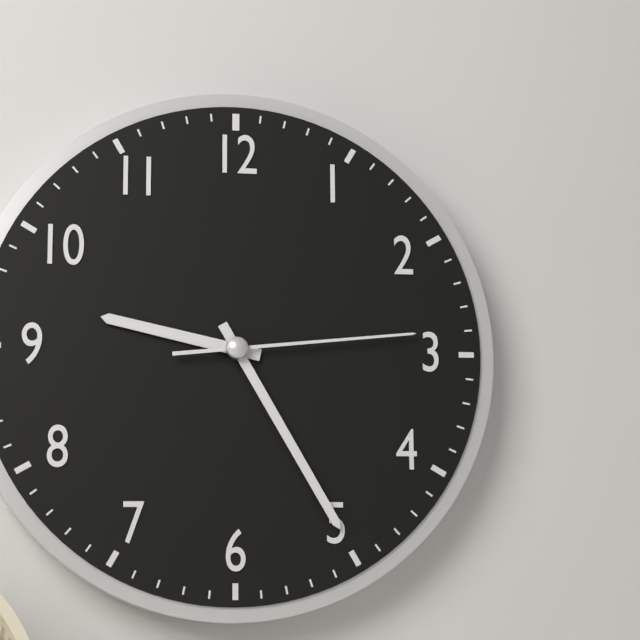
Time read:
9h25m14s
